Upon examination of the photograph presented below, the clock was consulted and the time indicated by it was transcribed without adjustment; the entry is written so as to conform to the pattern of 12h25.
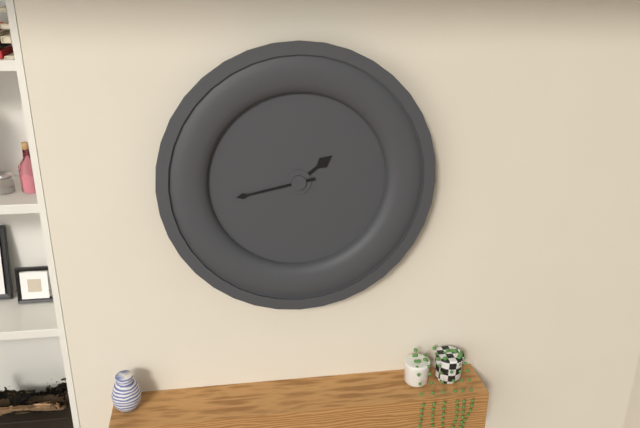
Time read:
1h43
